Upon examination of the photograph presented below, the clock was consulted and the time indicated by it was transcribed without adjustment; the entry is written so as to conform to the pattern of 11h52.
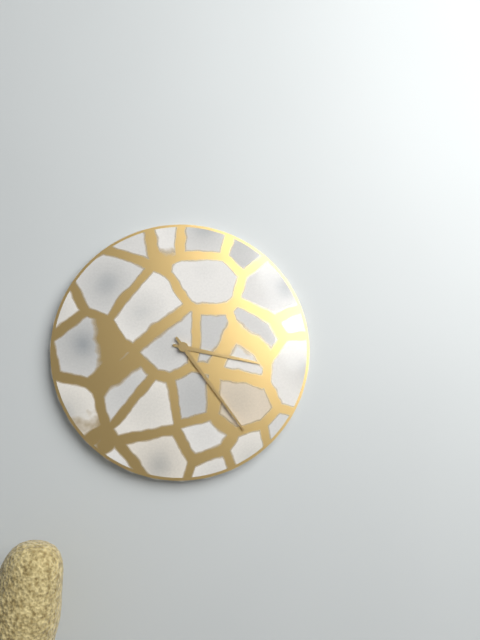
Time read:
3h24
